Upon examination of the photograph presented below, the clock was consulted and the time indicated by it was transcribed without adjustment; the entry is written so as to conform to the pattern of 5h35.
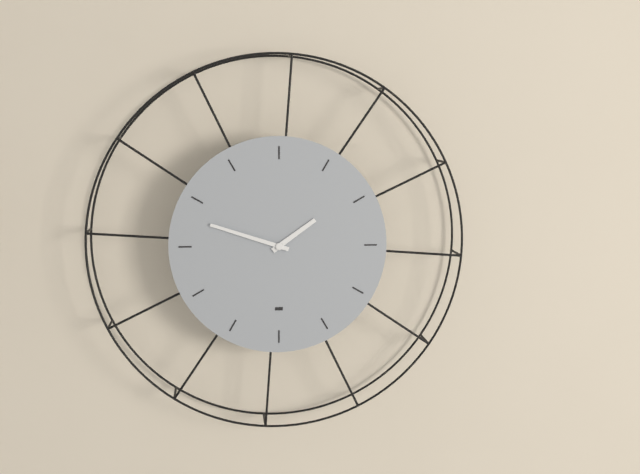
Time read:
1h48
